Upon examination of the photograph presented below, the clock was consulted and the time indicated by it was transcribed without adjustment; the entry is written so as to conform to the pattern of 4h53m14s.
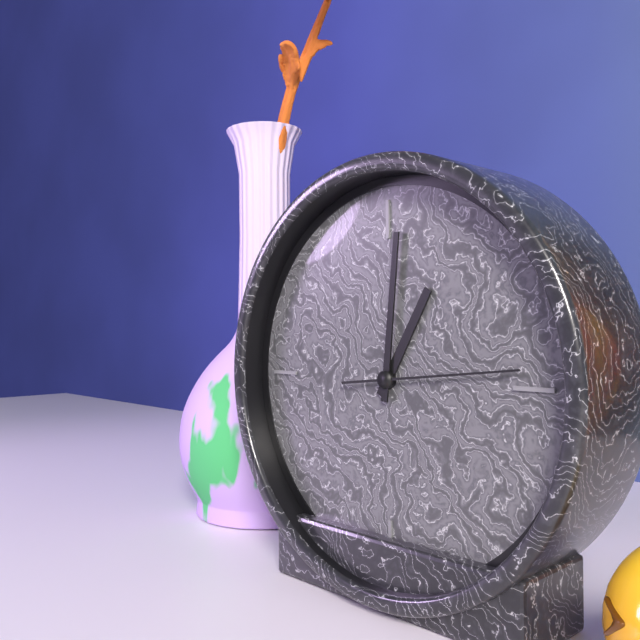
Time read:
1h01m14s
